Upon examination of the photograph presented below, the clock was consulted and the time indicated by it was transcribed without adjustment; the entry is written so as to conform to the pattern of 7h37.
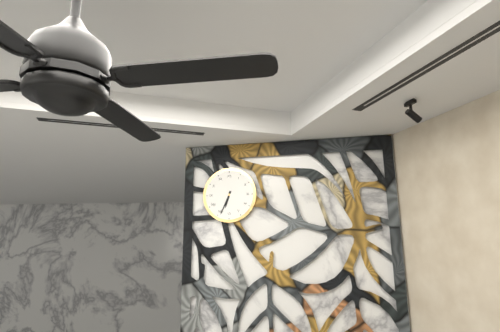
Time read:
6h34
